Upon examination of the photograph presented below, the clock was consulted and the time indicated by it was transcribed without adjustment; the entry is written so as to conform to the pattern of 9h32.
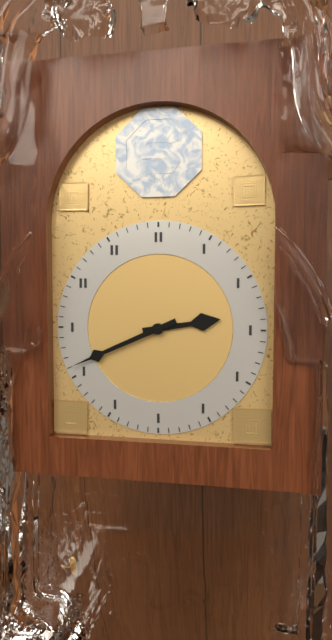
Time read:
2h41
